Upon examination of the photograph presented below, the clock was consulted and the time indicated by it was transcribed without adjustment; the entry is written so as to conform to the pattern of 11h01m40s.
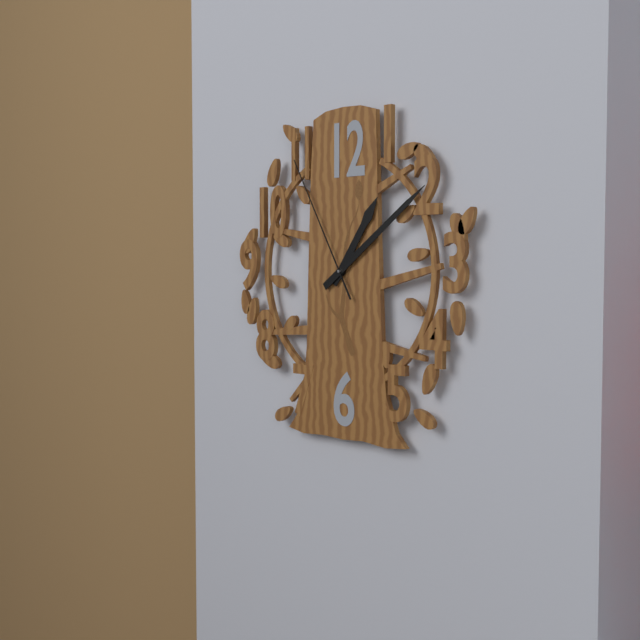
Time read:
1h09m55s
